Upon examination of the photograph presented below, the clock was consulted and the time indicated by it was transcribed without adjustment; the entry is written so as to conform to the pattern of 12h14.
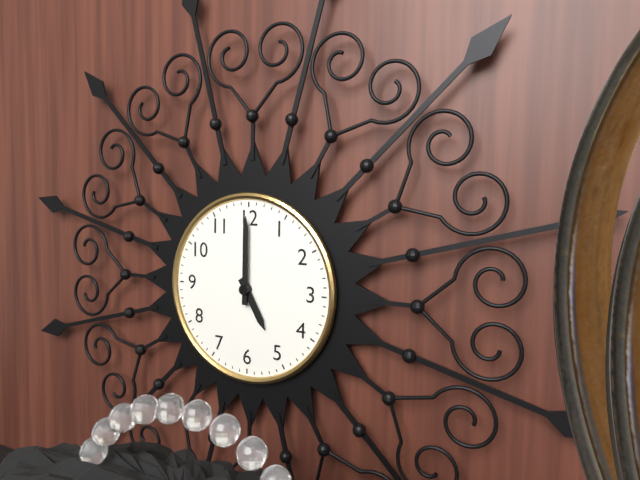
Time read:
5h00
